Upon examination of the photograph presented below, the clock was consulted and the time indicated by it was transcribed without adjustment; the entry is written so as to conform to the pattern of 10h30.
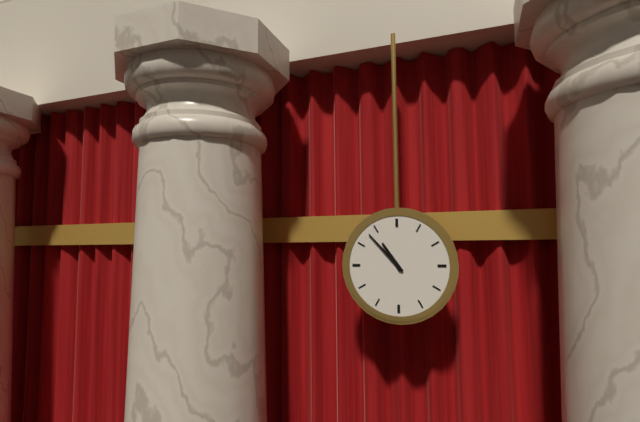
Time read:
10h53
